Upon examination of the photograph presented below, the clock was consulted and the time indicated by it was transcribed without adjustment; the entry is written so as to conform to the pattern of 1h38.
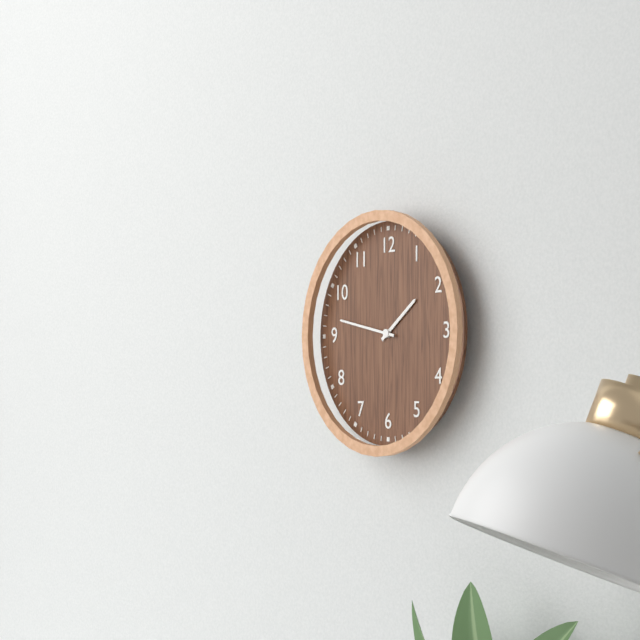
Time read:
1h47
